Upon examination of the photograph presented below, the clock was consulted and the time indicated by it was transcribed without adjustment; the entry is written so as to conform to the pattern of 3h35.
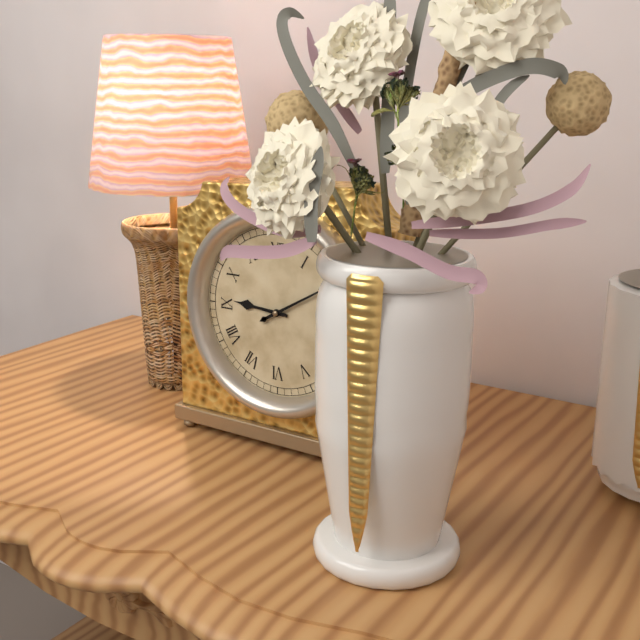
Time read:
9h10
